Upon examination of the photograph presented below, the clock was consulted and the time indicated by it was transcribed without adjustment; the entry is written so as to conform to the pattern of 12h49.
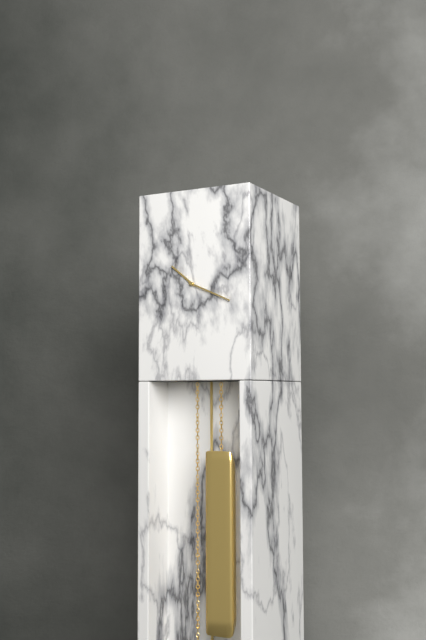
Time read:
10h19
